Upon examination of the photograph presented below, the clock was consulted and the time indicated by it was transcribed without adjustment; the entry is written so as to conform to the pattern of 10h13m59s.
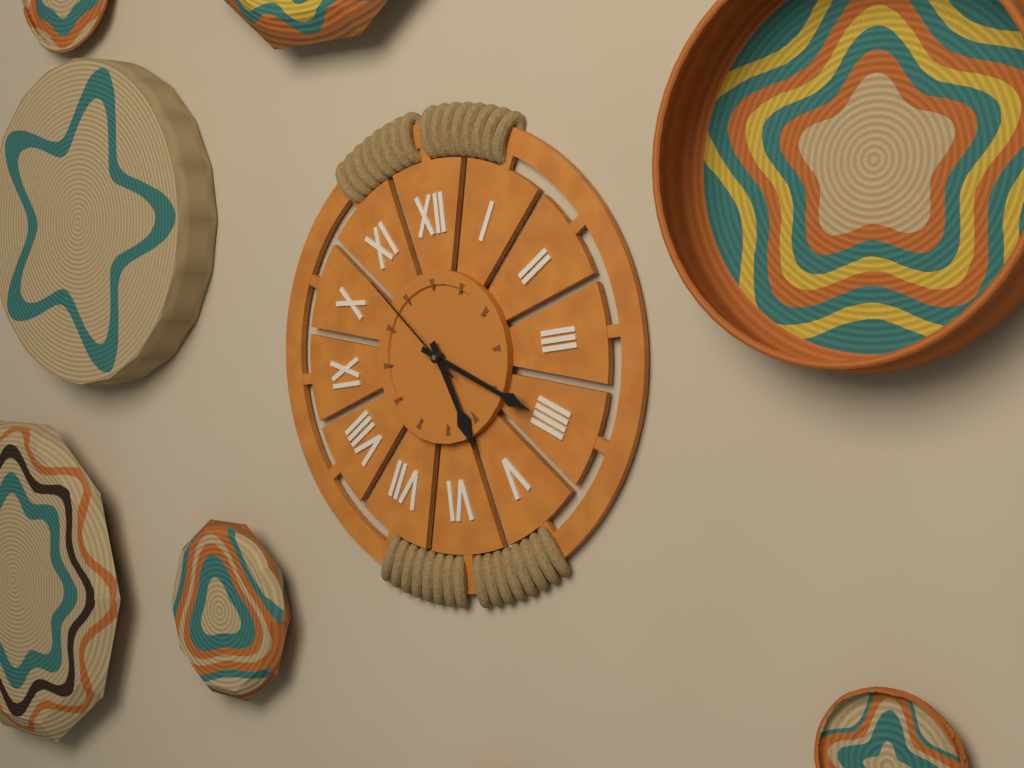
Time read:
5h20m53s
